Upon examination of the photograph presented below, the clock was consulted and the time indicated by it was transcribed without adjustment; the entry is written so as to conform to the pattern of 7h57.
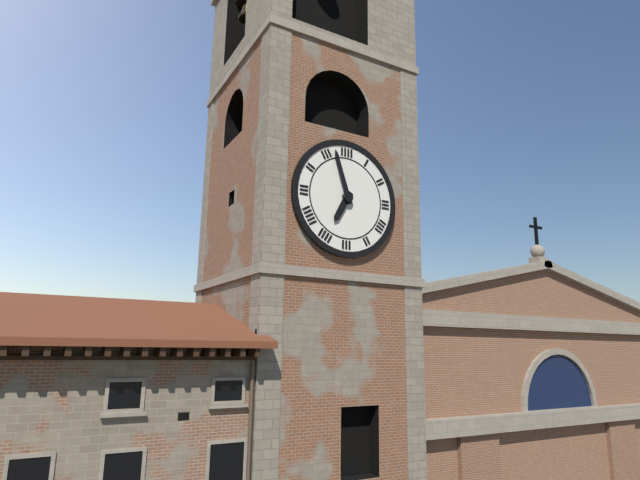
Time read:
6h57
